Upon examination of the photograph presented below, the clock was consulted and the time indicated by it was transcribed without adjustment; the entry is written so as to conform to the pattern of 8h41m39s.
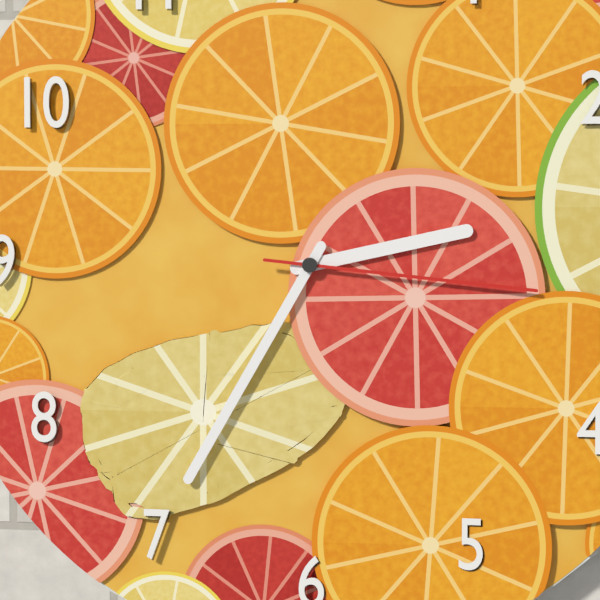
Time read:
2h35m16s
